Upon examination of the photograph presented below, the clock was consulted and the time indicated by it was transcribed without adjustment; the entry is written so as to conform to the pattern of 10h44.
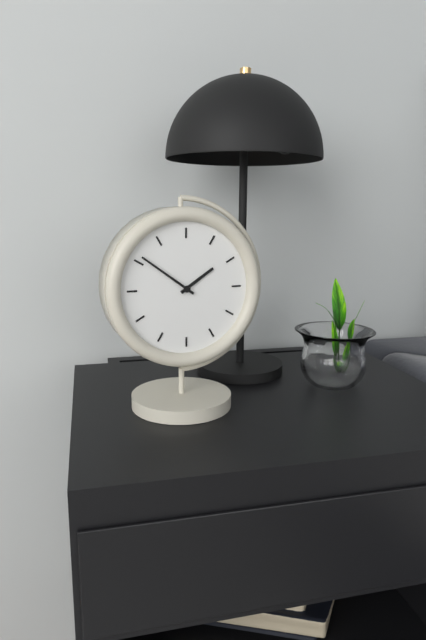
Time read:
1h51
